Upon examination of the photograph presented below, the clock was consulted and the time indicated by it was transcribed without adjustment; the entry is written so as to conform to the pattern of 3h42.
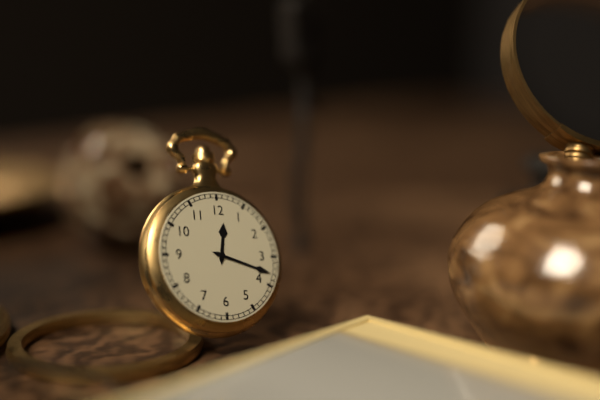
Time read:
12h18
